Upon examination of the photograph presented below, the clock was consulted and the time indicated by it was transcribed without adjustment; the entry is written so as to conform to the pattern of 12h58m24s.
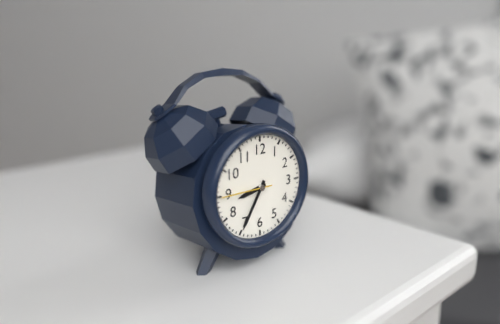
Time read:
8h35m45s
